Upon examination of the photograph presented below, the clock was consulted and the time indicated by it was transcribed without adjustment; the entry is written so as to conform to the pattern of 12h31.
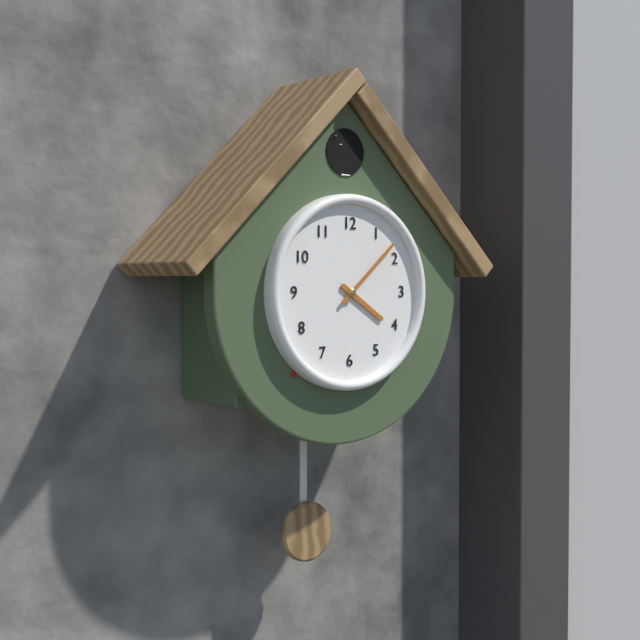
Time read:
4h08
